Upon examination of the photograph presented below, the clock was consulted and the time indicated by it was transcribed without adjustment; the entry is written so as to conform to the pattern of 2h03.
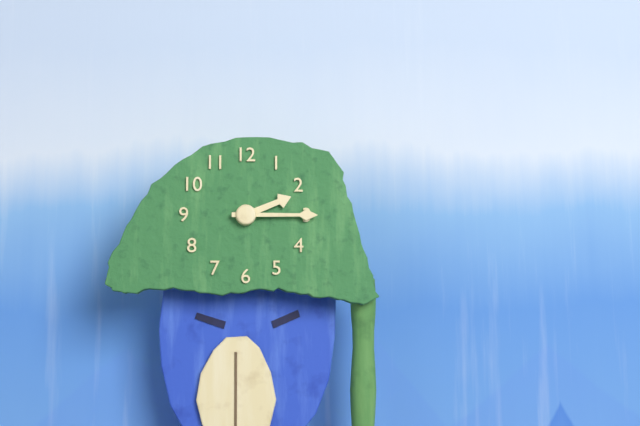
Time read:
2h15
